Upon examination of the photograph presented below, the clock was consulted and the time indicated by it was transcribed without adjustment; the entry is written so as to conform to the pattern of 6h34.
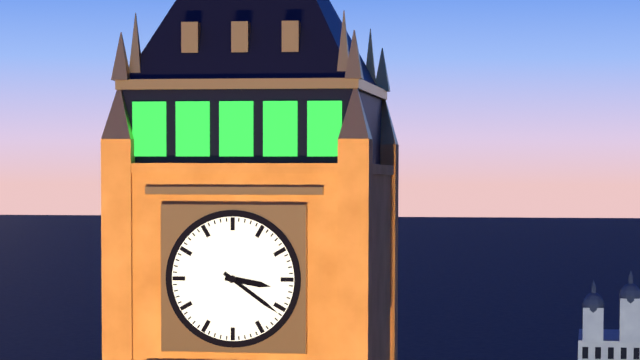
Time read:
3h21
